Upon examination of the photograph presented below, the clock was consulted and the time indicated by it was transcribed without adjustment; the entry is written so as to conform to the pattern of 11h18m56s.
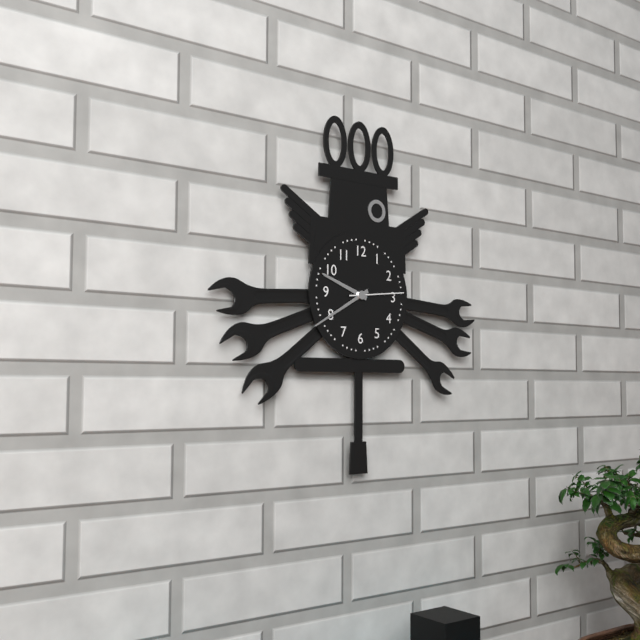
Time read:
9h40m14s
